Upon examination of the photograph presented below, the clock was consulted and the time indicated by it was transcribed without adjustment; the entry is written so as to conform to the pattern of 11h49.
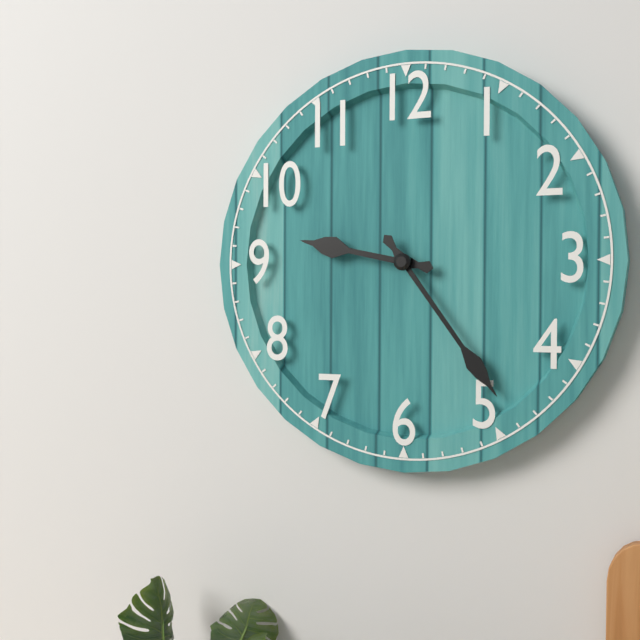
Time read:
9h24
